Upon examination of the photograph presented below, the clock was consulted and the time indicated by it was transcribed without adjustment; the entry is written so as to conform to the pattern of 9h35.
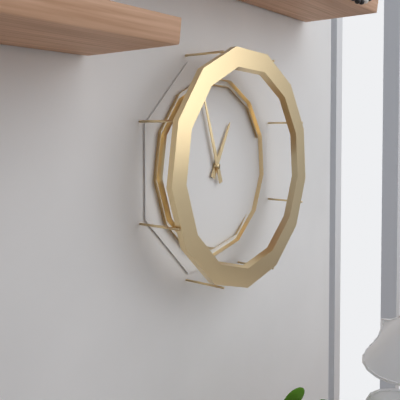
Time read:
12h57
